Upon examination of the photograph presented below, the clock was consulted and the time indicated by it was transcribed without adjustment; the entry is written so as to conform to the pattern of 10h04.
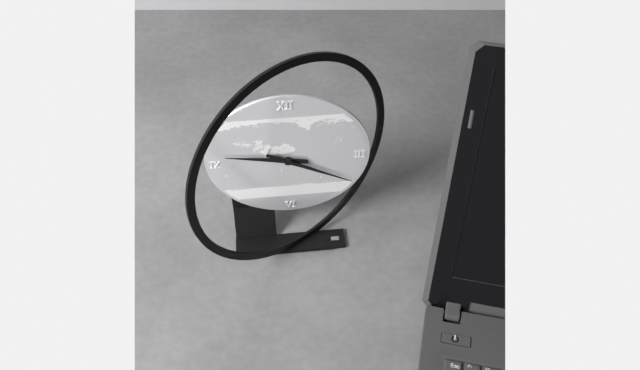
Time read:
9h20
